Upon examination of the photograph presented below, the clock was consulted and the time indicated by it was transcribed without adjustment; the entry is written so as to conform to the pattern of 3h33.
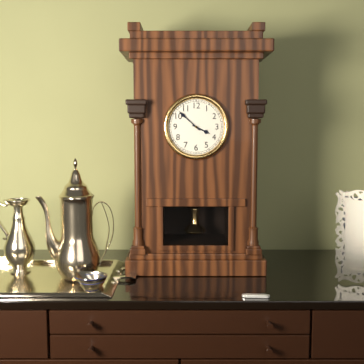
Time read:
3h52
